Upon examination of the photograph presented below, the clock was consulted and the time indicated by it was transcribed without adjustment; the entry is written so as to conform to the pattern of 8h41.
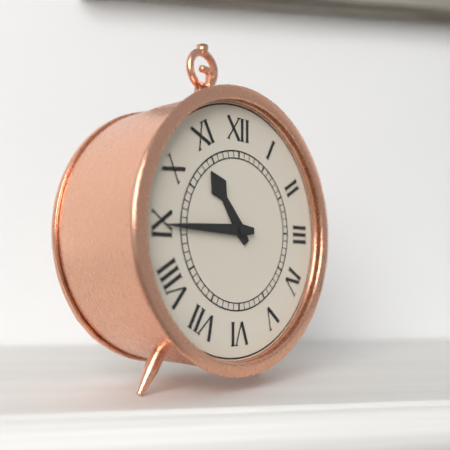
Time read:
10h45
